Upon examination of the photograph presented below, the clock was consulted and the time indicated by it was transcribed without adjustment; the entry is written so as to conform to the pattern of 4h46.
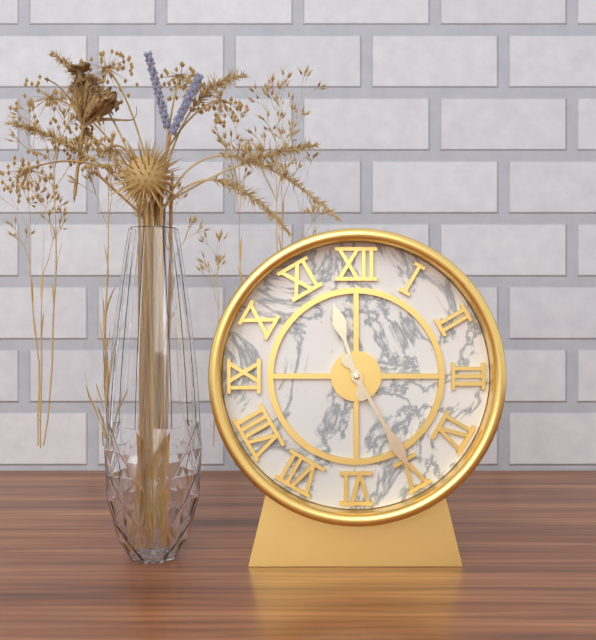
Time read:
11h25
